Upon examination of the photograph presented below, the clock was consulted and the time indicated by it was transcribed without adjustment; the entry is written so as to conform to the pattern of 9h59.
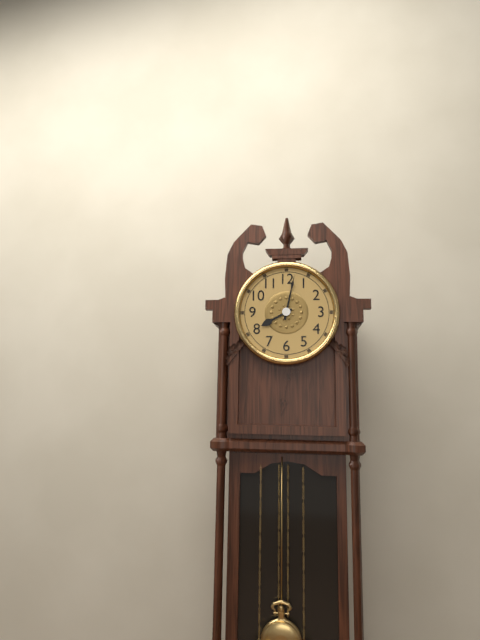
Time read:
8h02
